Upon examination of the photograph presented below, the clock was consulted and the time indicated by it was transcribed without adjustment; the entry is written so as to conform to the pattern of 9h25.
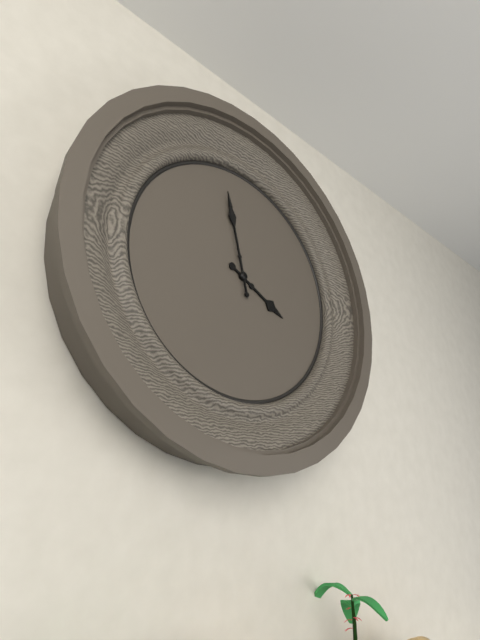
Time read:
3h58
